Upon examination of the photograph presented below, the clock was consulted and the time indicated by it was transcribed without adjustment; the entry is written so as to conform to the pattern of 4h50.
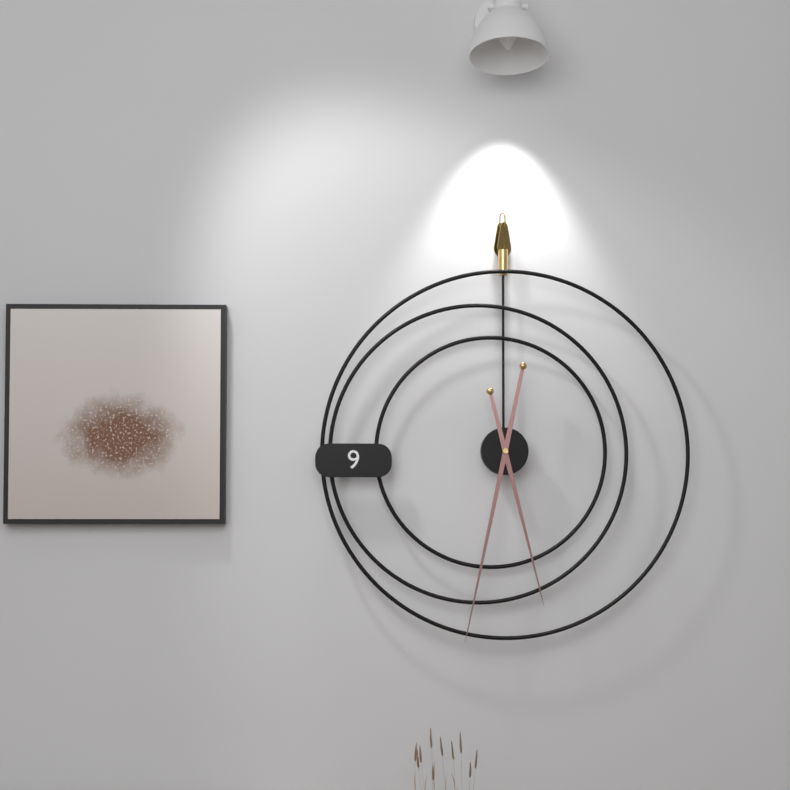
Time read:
5h32
